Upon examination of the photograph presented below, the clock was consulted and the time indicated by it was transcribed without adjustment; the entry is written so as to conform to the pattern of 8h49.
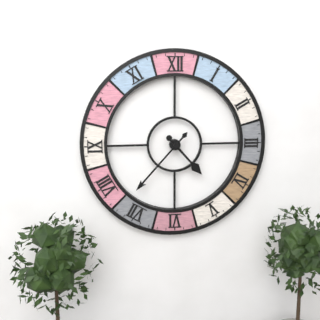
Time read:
4h37
